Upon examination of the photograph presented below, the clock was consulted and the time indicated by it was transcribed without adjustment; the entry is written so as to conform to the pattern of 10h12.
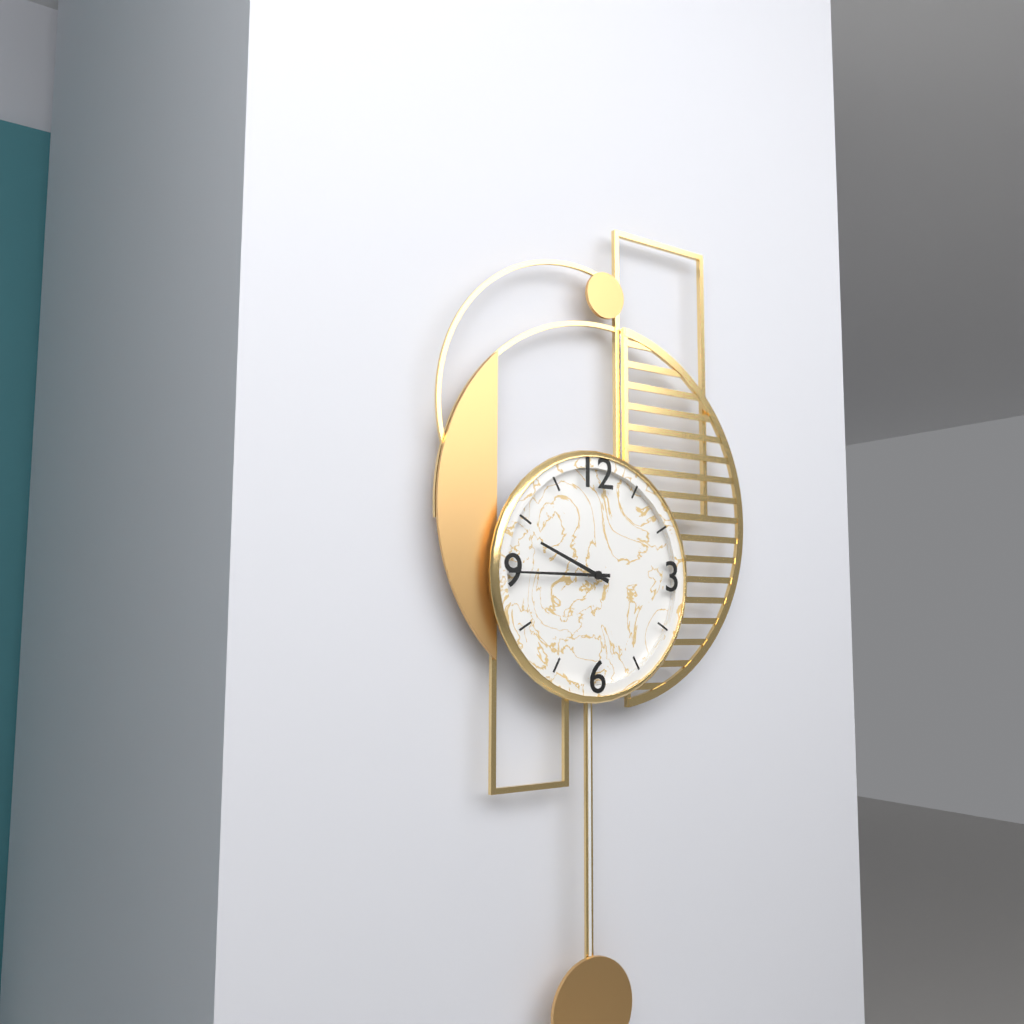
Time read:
9h45
